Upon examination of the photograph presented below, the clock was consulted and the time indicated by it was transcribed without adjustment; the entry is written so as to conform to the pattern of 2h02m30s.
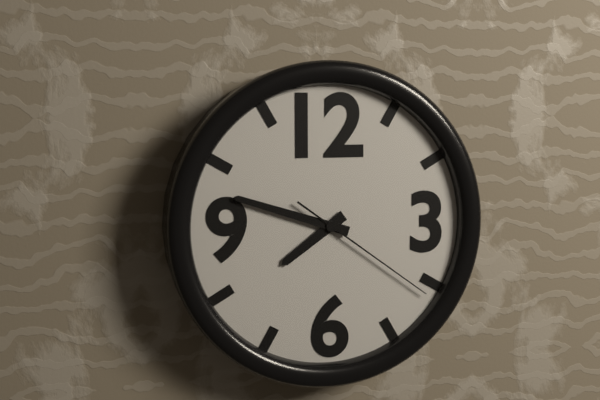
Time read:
7h48m21s
